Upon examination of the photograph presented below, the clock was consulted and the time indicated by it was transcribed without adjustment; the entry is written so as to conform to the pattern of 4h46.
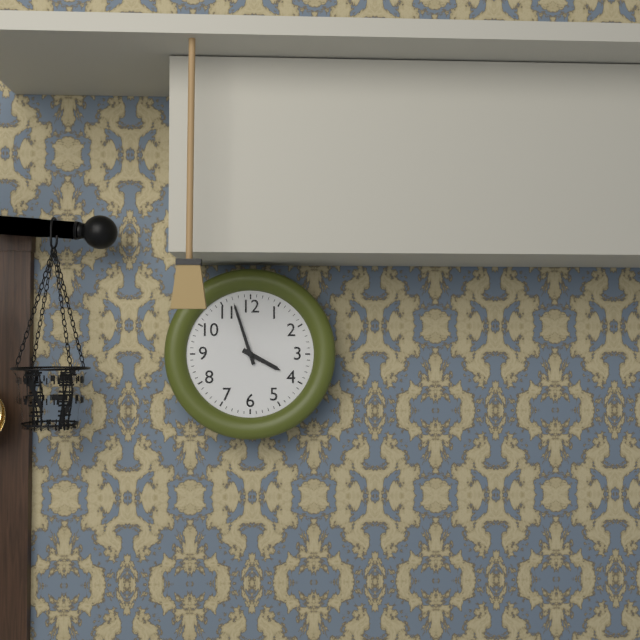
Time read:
3h57
